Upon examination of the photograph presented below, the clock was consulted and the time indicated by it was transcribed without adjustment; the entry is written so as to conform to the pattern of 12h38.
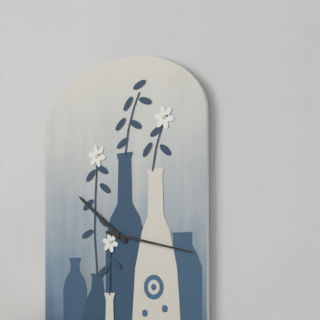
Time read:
10h17
